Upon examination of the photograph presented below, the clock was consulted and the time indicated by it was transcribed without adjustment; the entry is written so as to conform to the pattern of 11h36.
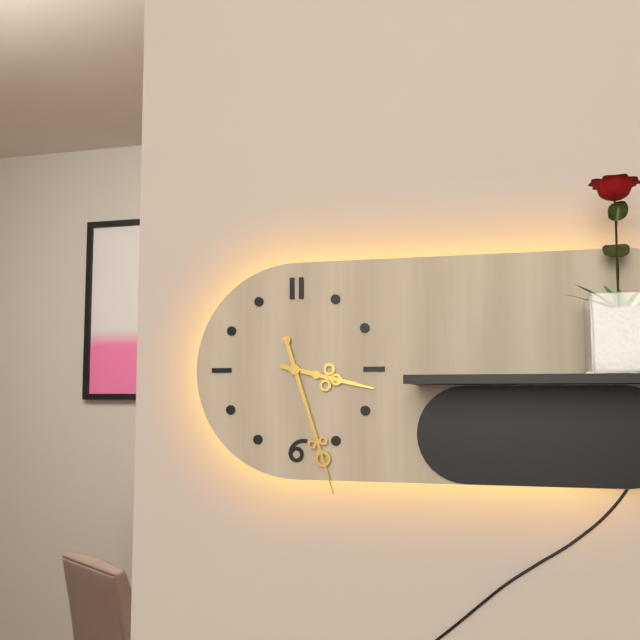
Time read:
3h27
